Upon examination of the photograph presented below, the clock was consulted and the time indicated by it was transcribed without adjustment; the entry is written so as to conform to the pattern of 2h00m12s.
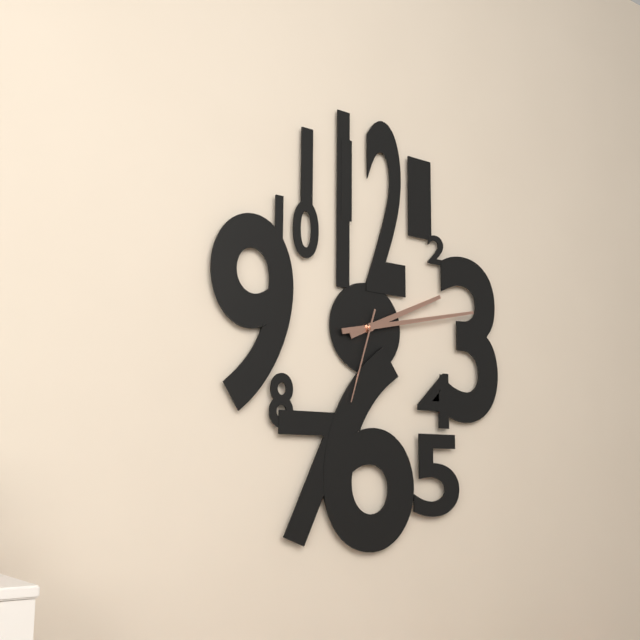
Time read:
2h13m33s
